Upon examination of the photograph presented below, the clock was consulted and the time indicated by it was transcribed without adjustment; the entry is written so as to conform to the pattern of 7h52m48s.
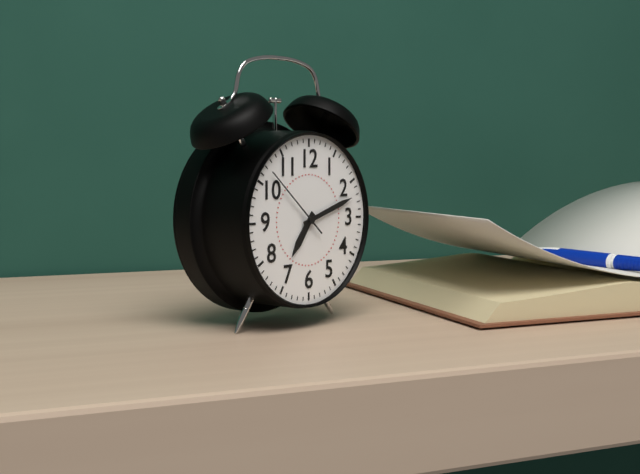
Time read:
7h12m52s
